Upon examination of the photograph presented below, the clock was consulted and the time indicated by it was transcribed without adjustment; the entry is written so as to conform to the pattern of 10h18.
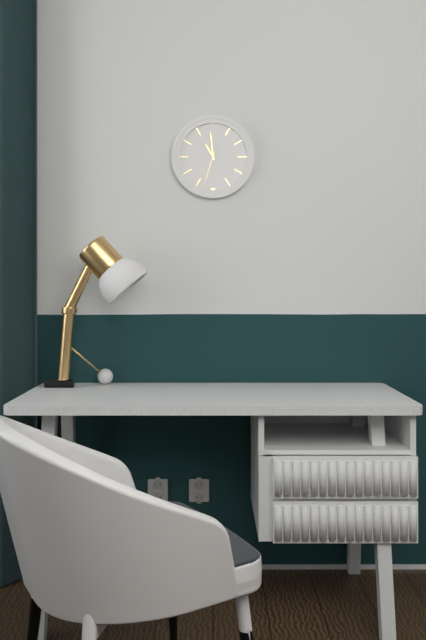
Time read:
10h59
